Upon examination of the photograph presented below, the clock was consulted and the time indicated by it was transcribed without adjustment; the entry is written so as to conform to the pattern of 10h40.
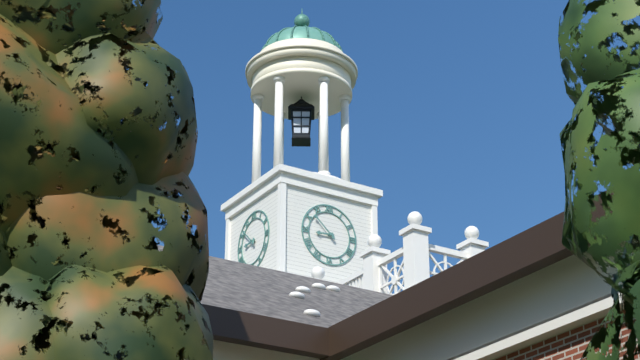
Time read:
8h52
